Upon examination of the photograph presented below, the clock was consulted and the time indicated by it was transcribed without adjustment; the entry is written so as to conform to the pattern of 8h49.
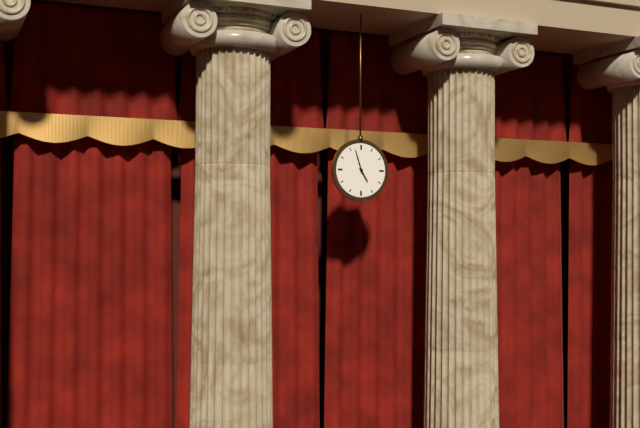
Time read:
4h57
